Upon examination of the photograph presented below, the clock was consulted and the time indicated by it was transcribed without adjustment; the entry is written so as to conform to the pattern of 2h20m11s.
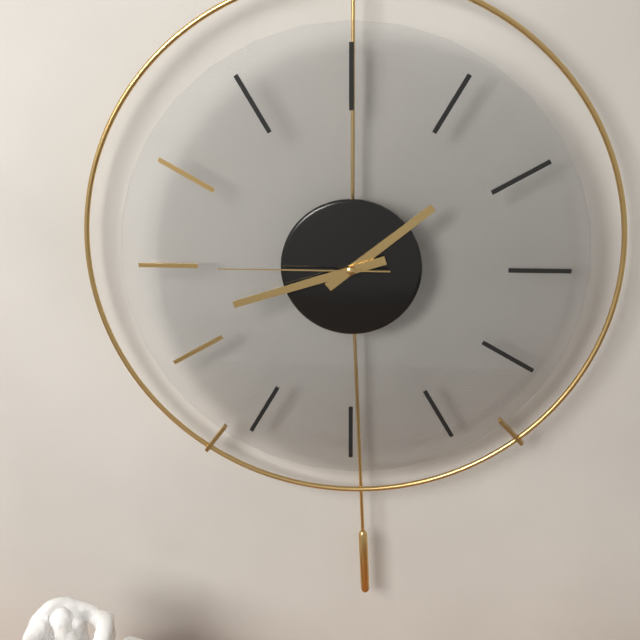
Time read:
1h42m45s
